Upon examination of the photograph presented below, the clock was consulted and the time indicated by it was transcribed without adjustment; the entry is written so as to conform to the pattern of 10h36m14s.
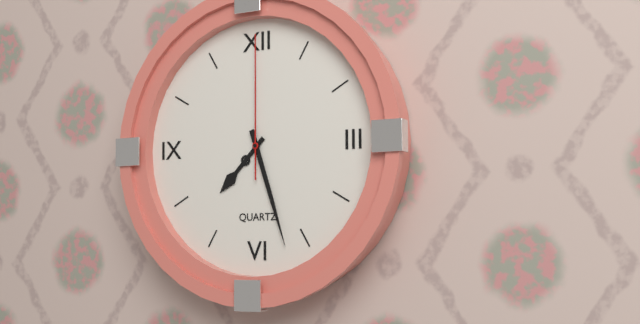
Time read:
7h27m00s
